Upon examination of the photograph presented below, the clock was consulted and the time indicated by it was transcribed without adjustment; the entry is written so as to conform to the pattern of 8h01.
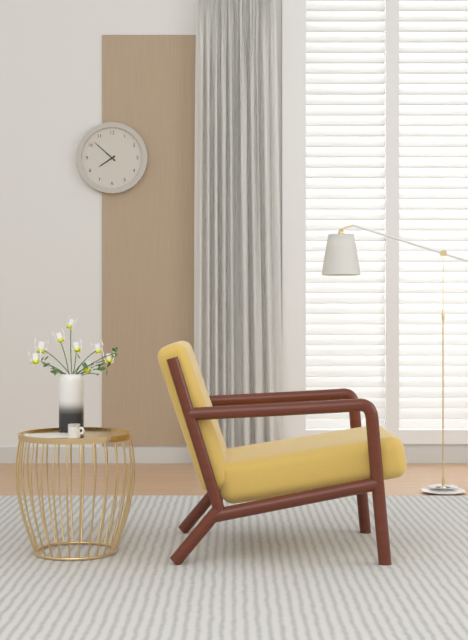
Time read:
7h52
